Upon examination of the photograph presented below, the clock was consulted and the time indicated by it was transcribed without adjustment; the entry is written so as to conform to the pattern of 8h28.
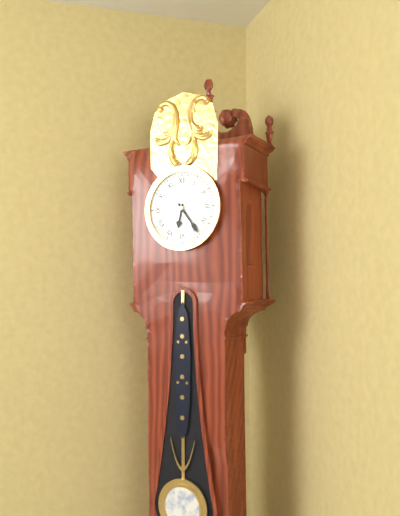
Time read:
6h24
